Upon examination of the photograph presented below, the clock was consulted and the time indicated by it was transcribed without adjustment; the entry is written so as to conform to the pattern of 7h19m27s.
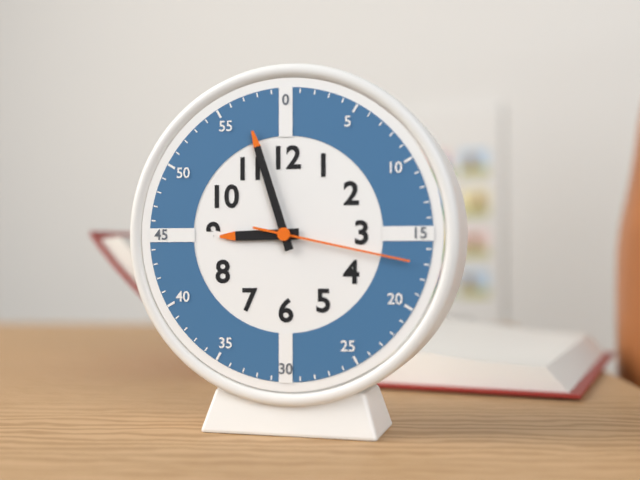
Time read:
8h57m17s
